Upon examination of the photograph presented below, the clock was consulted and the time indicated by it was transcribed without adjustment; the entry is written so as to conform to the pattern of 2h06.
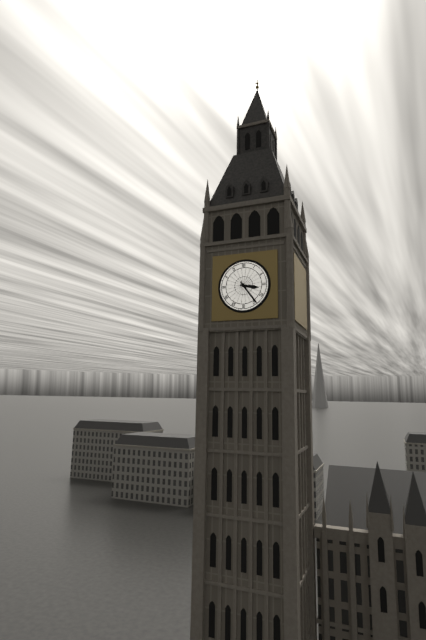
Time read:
3h24
